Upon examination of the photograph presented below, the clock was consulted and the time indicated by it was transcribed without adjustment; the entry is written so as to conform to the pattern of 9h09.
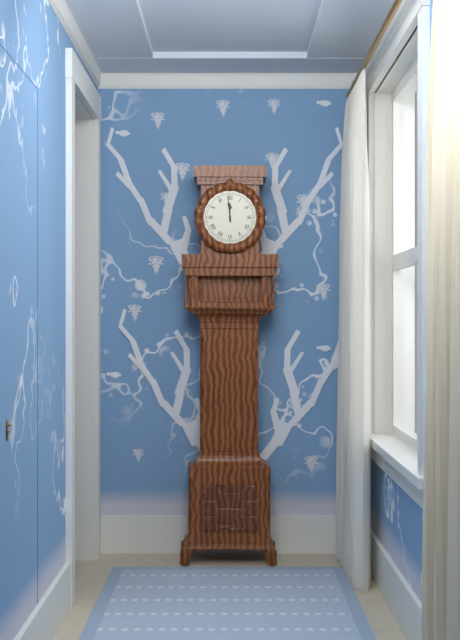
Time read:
11h59
